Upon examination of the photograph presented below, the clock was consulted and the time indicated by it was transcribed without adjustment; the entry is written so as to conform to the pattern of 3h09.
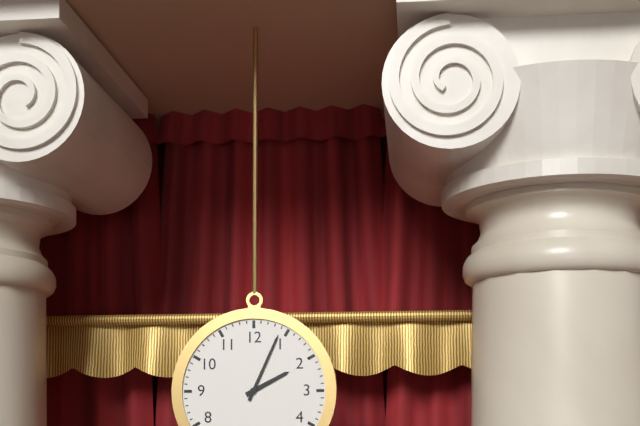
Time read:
2h04
